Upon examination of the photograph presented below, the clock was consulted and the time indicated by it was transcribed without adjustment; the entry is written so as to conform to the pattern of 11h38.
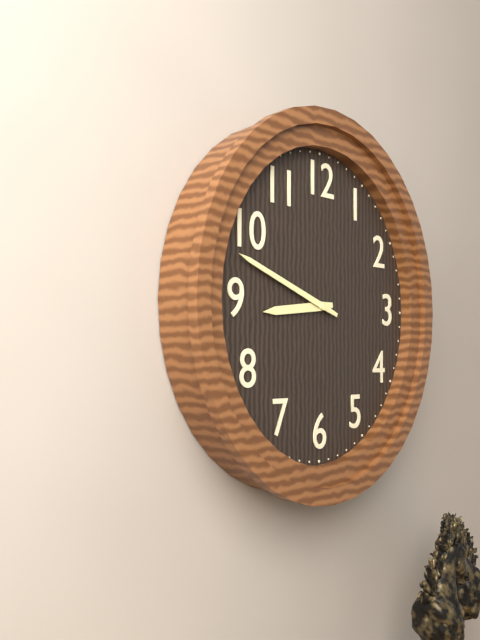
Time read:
8h48
